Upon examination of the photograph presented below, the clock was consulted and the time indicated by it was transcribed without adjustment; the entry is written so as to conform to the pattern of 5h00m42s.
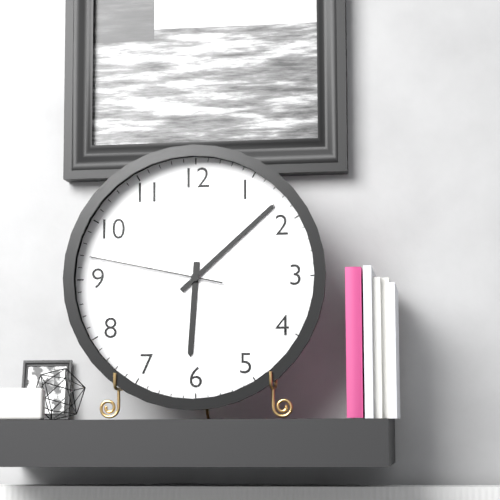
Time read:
6h08m47s
